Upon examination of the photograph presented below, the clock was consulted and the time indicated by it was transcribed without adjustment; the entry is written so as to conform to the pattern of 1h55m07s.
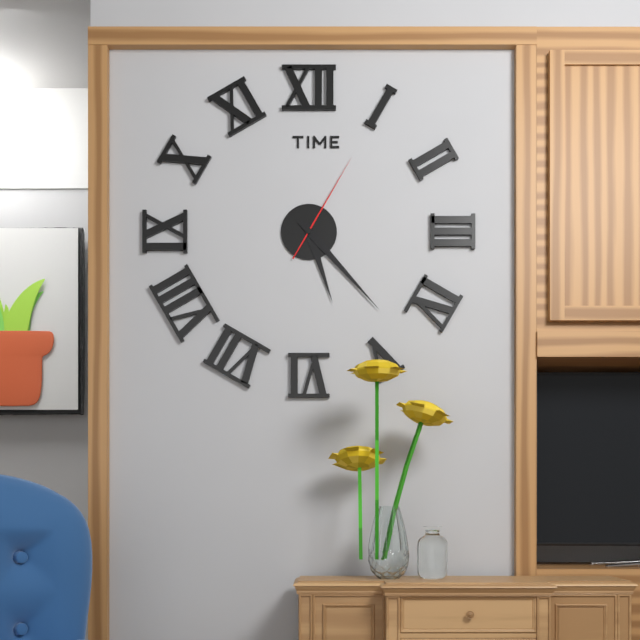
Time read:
5h23m05s
